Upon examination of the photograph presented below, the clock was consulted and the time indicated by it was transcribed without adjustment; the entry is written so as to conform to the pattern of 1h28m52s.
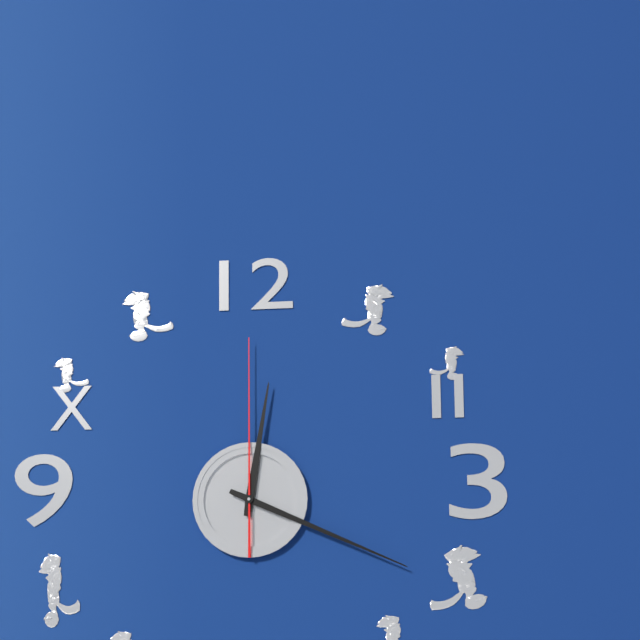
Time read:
12h19m00s
